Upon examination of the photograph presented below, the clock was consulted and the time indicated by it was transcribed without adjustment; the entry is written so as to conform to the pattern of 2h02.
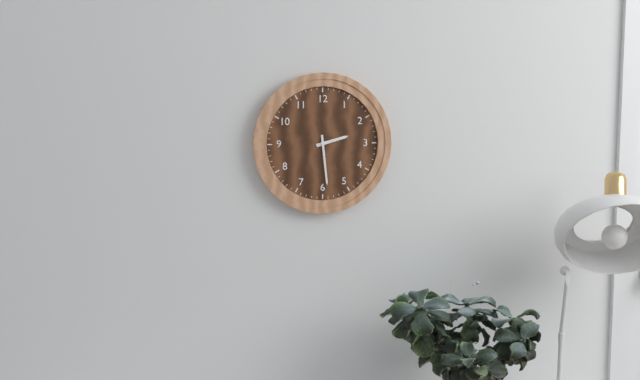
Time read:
2h29
